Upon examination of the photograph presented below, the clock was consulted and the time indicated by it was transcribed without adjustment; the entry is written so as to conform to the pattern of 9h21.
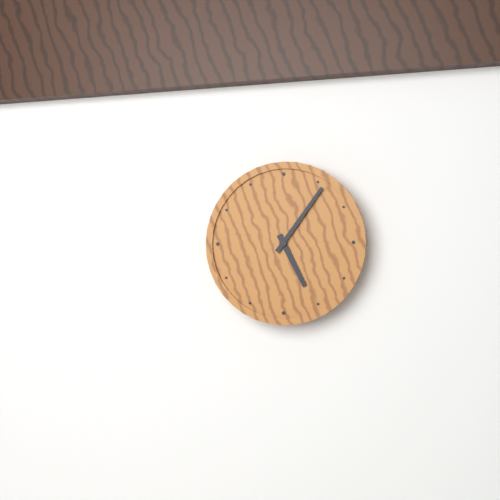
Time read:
5h06
